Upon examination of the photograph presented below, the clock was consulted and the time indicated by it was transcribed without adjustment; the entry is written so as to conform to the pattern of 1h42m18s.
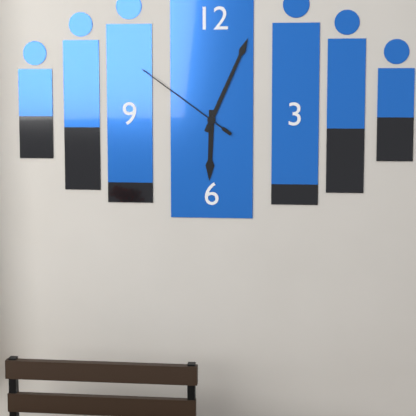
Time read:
6h04m51s
